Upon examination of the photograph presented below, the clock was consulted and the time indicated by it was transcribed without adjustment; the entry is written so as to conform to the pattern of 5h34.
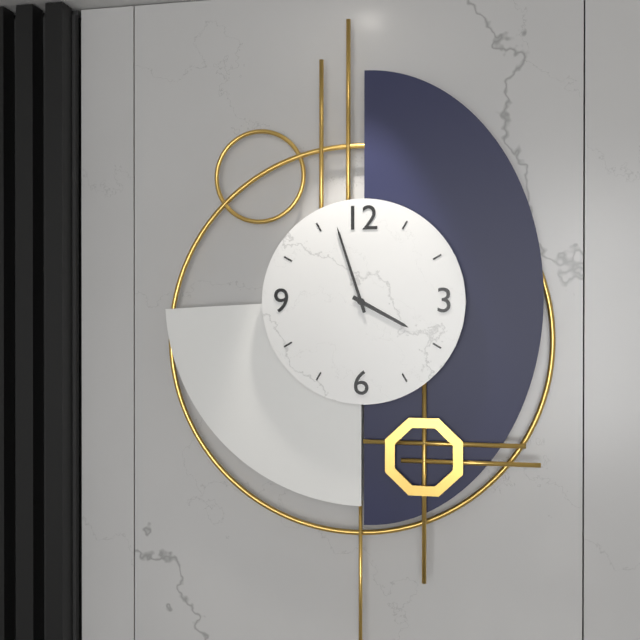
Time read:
3h57
